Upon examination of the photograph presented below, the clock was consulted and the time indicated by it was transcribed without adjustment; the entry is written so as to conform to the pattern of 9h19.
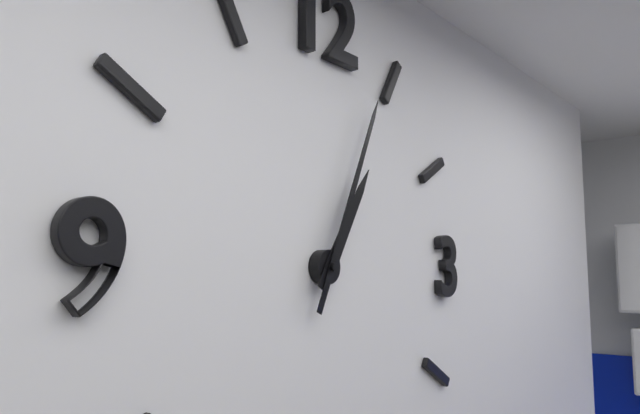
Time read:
1h04
